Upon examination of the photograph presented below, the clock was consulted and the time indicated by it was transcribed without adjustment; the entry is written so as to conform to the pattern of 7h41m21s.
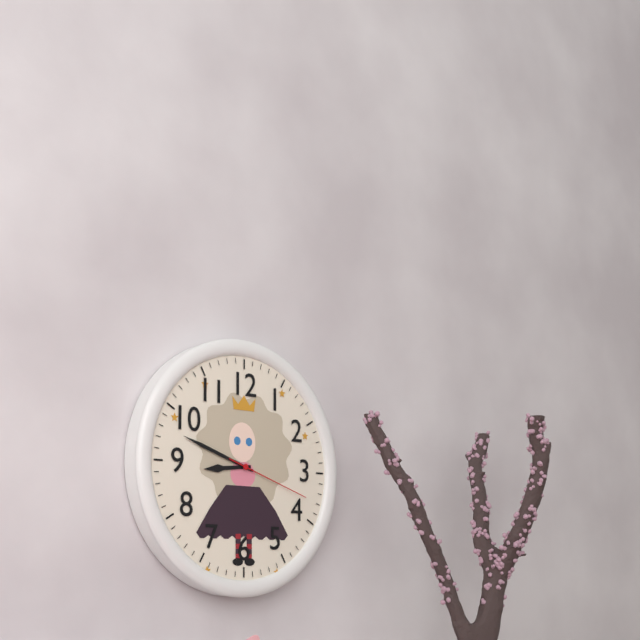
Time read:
8h48m18s
